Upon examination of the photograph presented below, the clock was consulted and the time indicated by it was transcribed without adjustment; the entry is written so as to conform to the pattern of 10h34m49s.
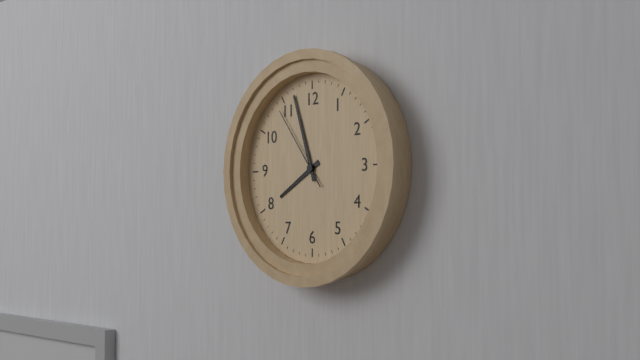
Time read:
7h57m54s
